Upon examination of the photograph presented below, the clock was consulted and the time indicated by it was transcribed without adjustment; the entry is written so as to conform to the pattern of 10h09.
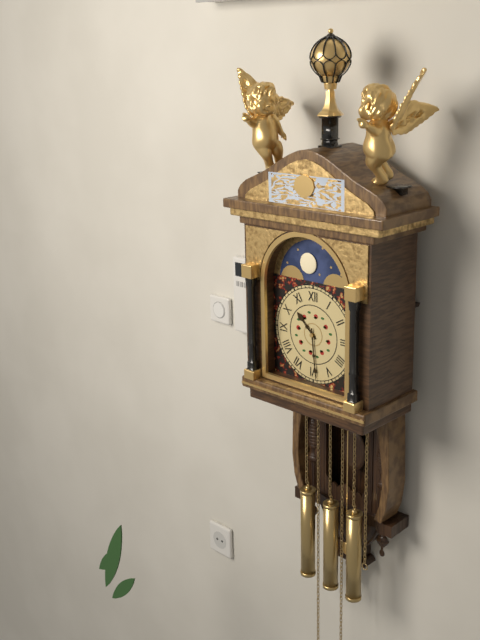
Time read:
10h29
